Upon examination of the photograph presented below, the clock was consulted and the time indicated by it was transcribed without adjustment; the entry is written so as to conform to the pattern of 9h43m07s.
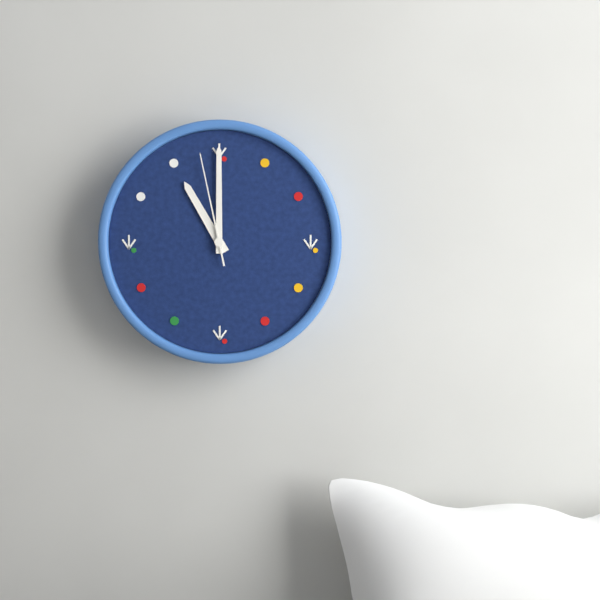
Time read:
11h00m58s
